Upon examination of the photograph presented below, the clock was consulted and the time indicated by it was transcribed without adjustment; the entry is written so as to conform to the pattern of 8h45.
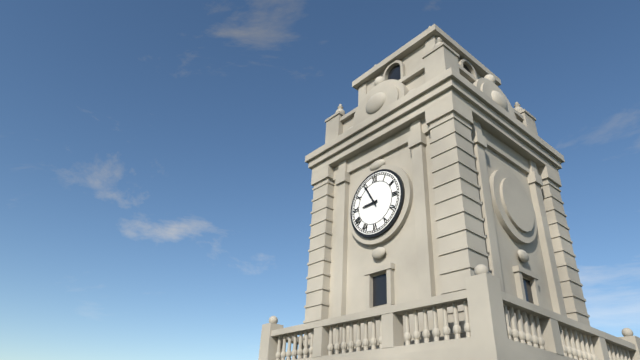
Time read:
8h55
